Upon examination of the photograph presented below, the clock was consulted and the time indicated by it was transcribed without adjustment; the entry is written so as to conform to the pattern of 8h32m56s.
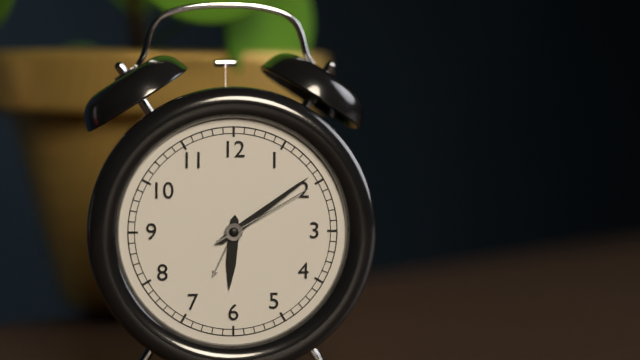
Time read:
6h09m10s
